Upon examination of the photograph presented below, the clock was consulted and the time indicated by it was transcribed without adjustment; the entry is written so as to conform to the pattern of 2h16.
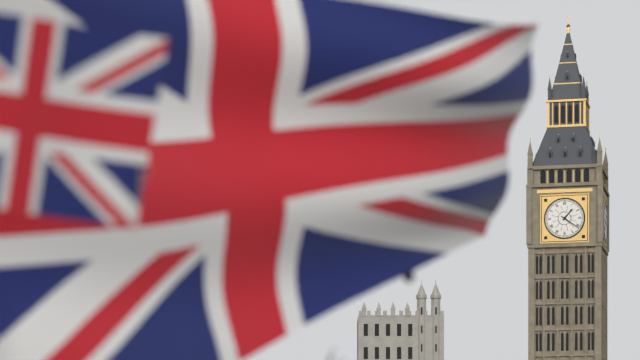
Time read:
1h21
